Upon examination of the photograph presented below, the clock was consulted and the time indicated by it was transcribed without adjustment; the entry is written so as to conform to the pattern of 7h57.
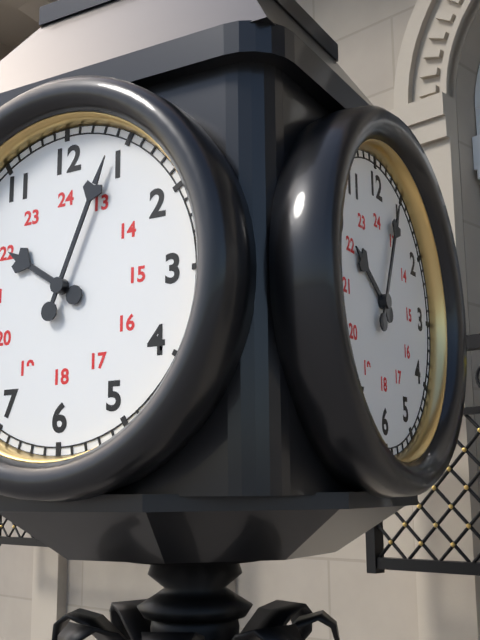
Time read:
10h04
